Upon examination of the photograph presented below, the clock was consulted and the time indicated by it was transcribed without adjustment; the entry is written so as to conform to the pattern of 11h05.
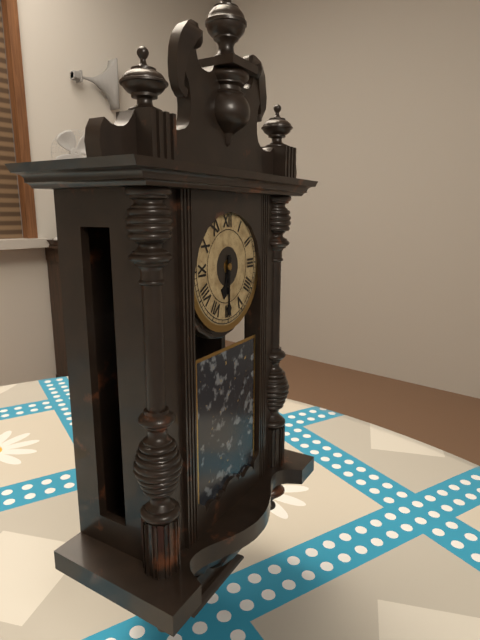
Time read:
6h30
